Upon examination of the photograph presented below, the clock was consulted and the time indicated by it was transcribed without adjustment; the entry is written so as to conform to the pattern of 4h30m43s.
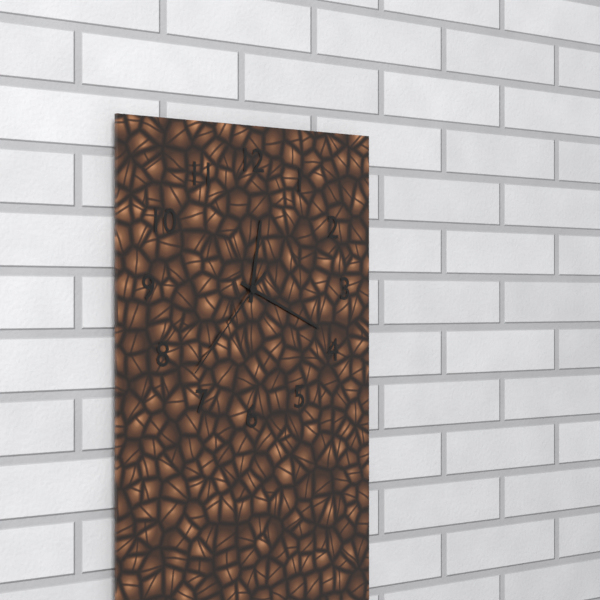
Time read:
12h19m37s
